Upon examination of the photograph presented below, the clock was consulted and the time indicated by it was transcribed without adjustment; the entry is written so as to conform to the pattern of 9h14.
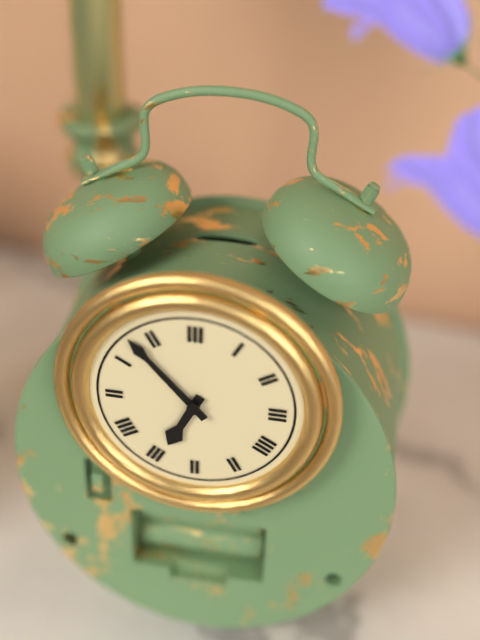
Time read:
6h53
